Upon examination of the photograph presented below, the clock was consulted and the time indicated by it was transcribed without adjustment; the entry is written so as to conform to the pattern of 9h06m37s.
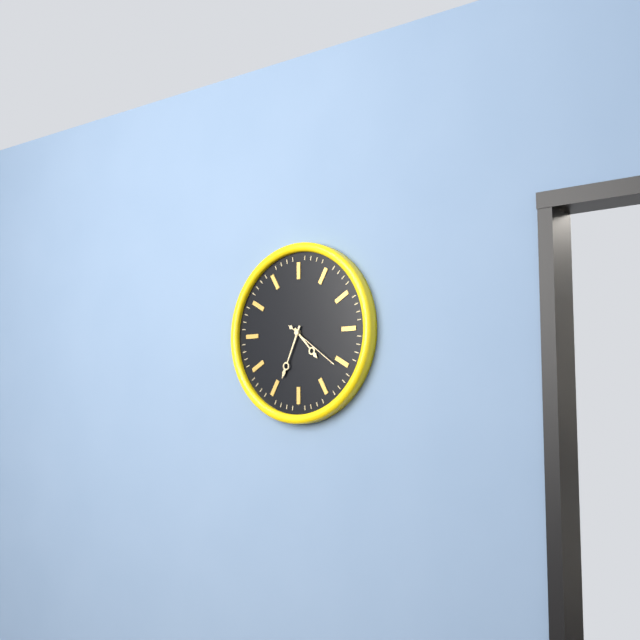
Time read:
4h34m21s
